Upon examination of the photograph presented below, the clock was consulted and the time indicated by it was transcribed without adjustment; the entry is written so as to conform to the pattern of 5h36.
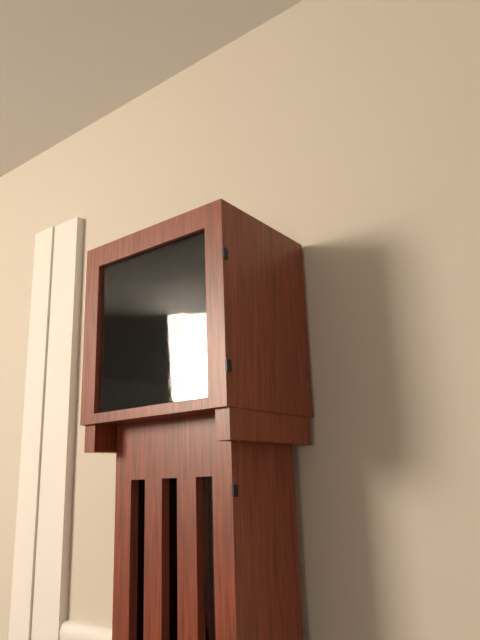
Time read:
5h24
